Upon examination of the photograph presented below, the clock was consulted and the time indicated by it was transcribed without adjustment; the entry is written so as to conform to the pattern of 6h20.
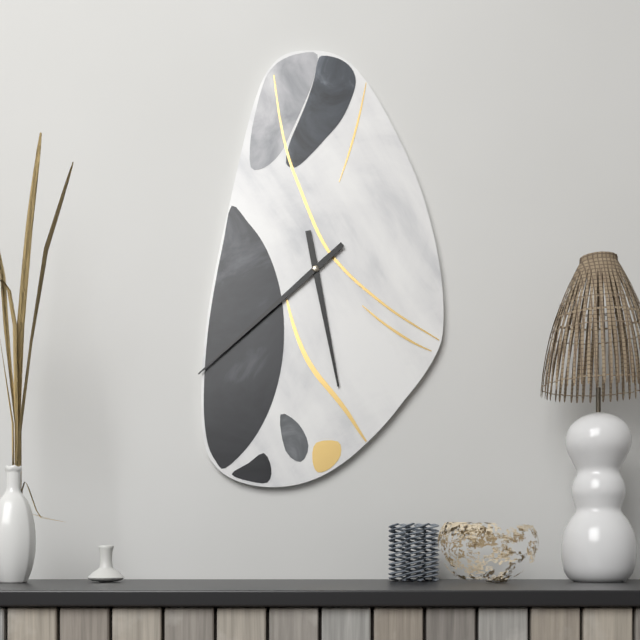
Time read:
5h38
